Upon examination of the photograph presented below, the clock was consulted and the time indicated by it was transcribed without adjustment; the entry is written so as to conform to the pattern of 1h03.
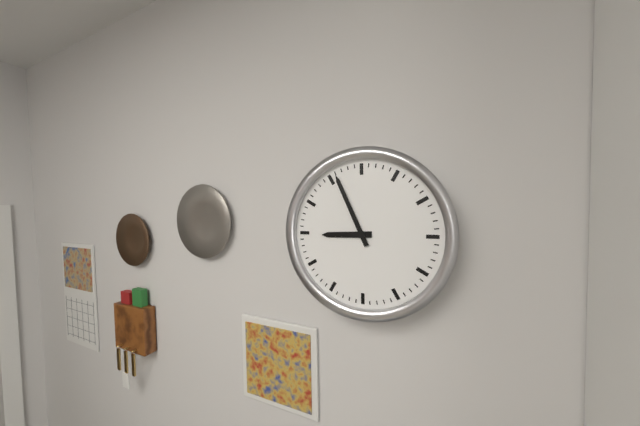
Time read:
8h56
